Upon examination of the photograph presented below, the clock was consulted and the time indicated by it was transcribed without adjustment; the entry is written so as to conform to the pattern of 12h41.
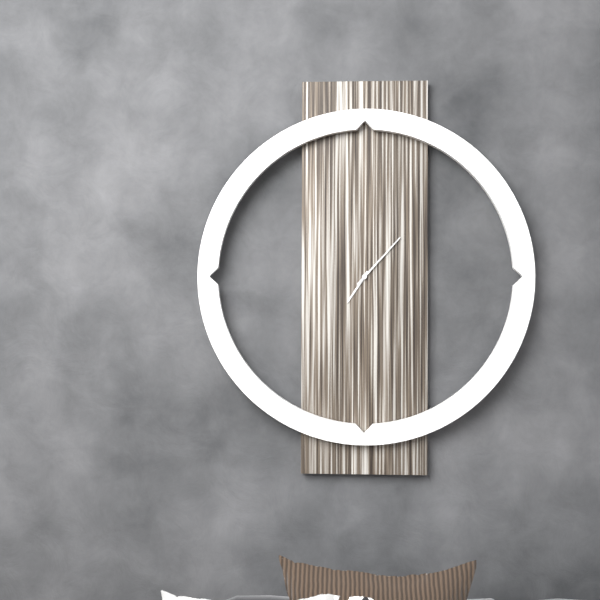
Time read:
7h07
